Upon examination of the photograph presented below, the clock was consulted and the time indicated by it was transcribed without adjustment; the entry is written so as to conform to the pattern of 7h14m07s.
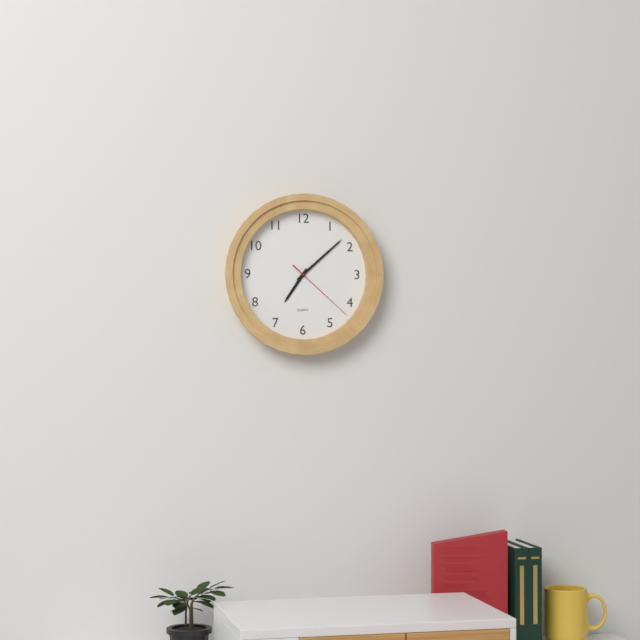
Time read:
7h08m22s
